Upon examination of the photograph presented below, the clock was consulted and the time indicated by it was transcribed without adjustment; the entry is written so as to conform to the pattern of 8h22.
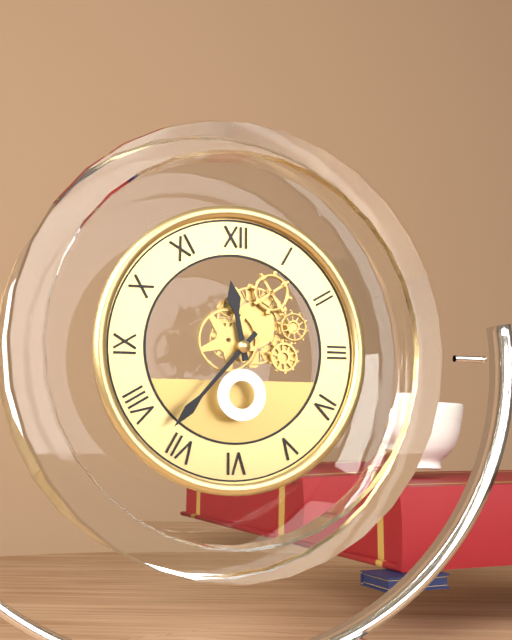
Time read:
11h37
